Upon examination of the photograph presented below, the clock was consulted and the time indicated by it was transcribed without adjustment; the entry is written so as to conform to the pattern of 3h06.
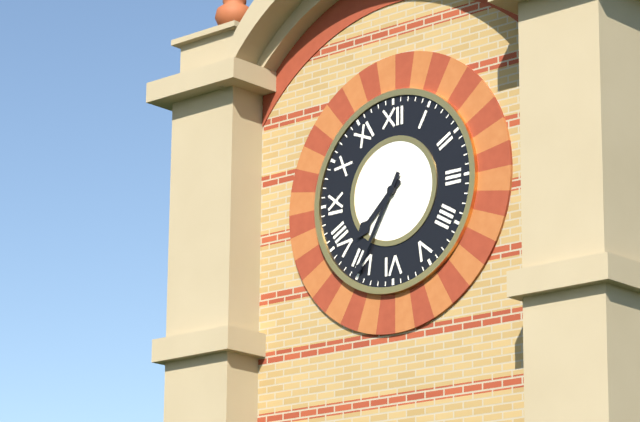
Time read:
7h35
